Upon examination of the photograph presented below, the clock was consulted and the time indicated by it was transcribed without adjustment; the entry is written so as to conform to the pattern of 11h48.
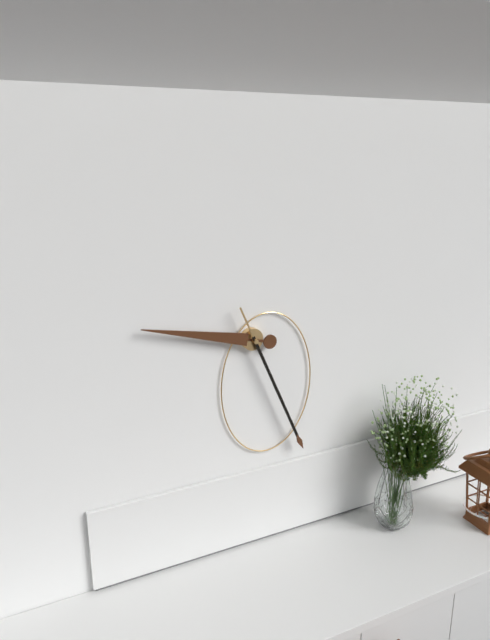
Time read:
9h26
